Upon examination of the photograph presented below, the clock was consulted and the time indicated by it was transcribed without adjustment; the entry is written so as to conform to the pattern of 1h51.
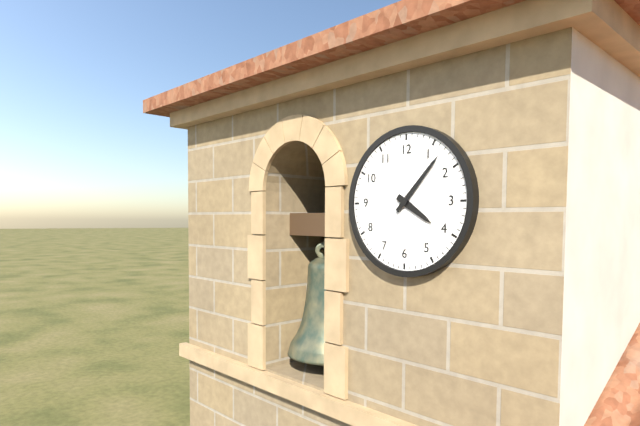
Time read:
4h07
